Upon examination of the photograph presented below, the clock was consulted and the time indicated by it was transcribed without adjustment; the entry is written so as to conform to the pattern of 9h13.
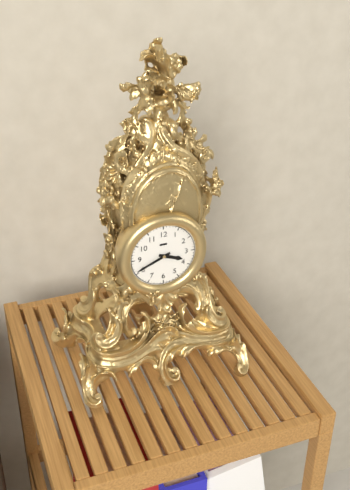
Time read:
3h41
